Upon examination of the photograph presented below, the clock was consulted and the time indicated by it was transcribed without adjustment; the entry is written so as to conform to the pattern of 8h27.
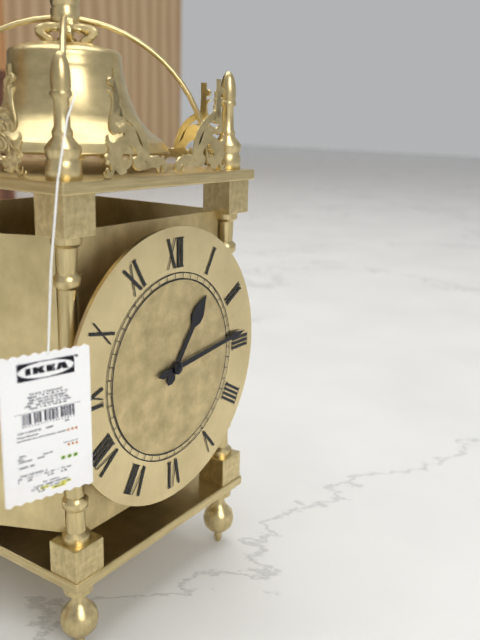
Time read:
1h14
